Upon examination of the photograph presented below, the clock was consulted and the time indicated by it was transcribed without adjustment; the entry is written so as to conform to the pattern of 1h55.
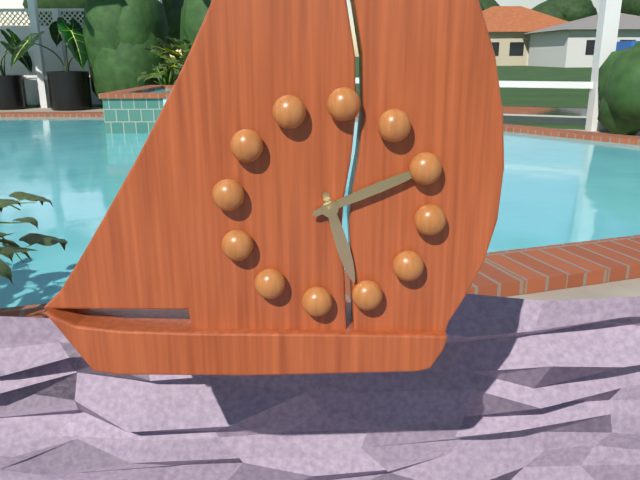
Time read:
5h10
